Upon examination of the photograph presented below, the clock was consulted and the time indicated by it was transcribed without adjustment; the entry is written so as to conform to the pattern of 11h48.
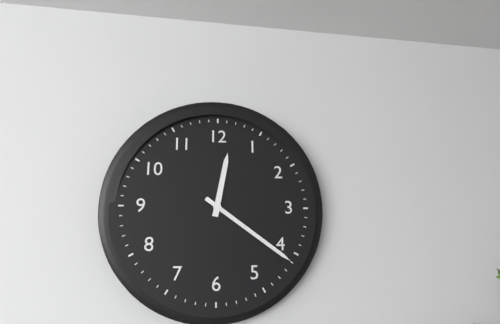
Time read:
12h21
